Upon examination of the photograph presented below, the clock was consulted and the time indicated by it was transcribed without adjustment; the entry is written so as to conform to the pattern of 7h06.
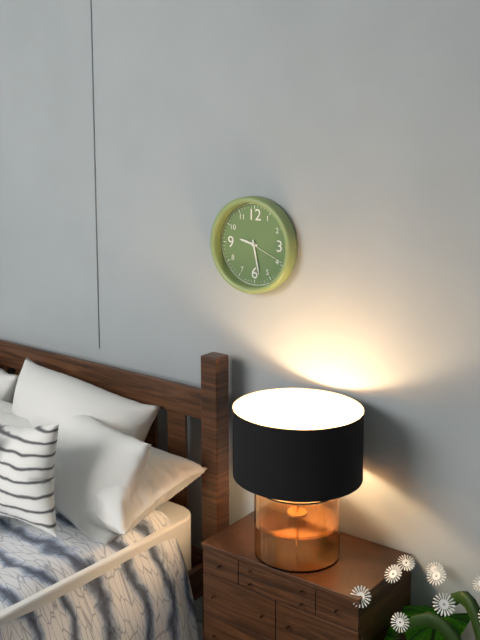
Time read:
9h28
